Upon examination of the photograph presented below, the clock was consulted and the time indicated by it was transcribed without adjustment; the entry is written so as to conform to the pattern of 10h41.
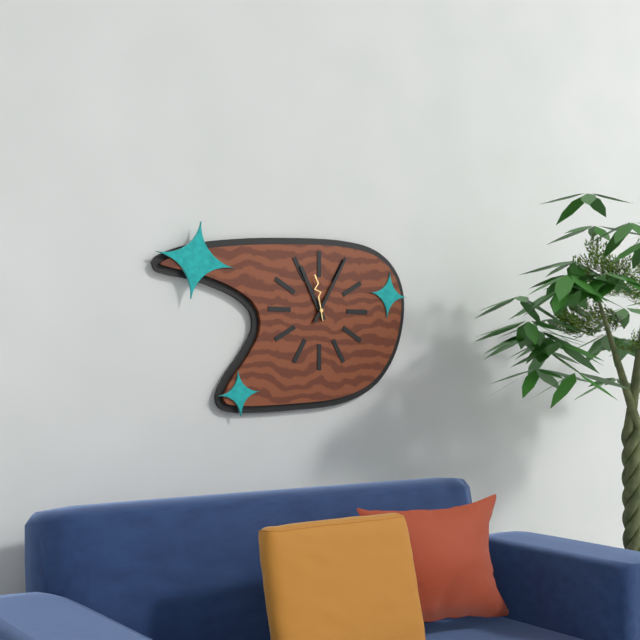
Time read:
11h05
